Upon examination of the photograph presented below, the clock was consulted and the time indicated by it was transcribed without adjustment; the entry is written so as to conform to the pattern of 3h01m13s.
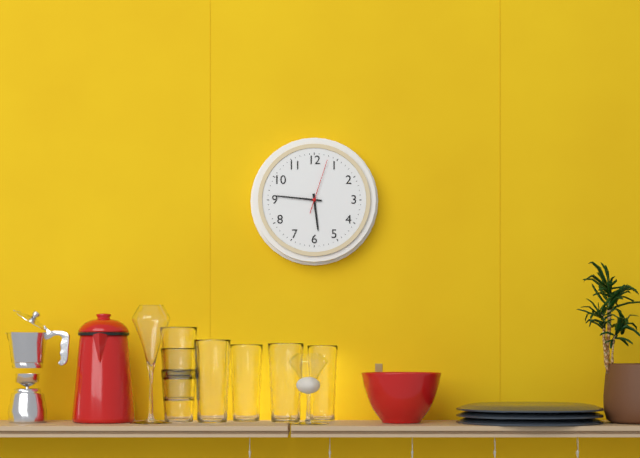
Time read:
5h46m03s
